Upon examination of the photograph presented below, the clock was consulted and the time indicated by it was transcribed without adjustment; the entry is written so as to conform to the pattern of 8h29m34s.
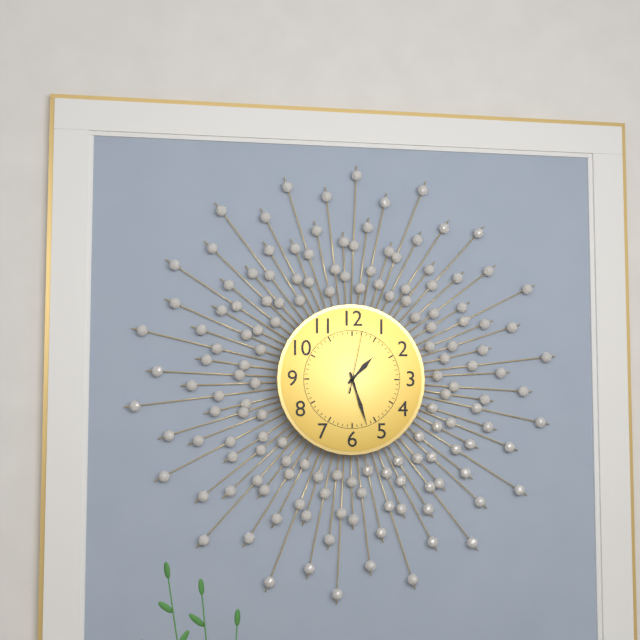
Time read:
1h27m02s
